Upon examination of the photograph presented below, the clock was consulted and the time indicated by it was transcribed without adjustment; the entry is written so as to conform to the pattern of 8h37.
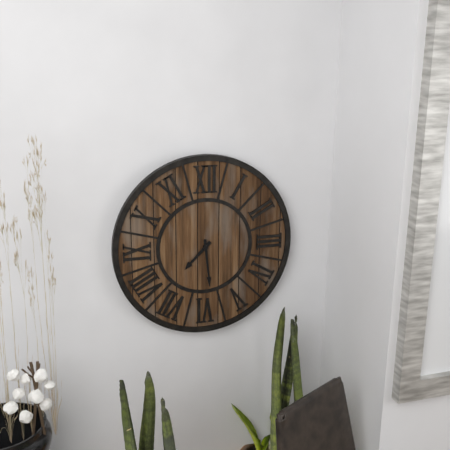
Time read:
7h29
